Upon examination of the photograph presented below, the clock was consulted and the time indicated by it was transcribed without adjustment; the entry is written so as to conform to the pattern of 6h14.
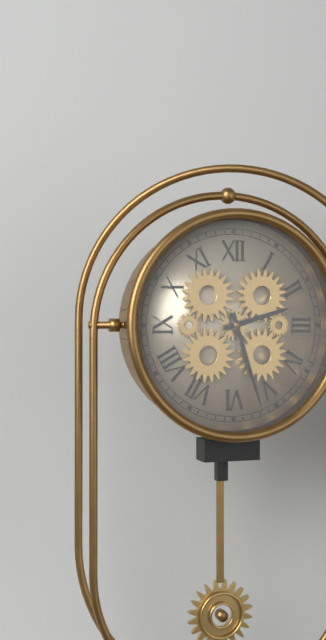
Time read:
2h27
